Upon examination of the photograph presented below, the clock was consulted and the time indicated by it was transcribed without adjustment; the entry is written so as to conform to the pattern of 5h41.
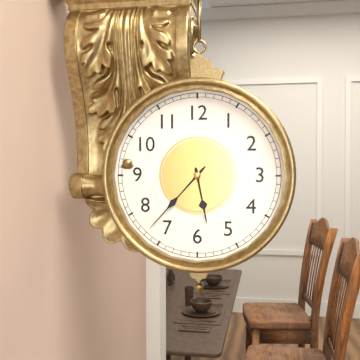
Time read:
5h37
